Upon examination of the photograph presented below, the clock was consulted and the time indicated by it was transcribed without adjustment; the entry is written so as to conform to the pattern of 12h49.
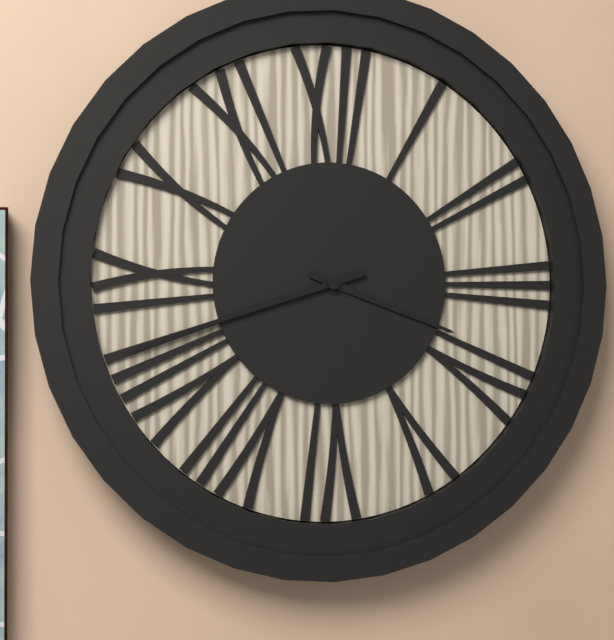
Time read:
3h42
